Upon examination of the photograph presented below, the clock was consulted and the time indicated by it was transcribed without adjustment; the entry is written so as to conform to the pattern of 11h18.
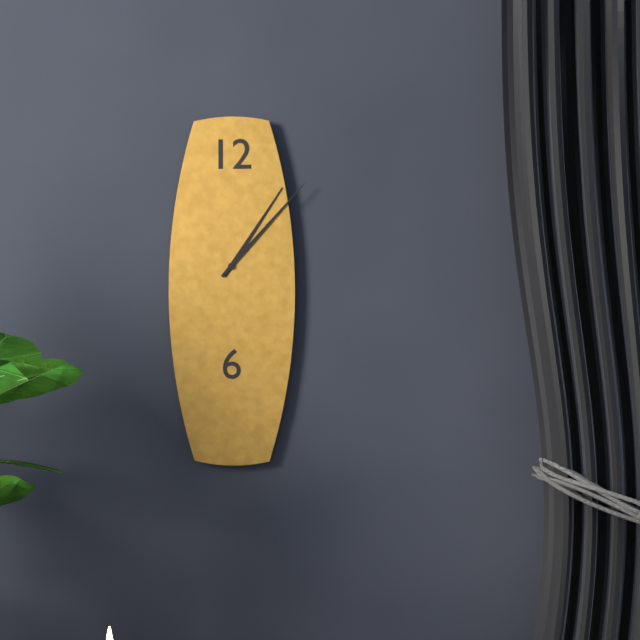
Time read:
1h07
